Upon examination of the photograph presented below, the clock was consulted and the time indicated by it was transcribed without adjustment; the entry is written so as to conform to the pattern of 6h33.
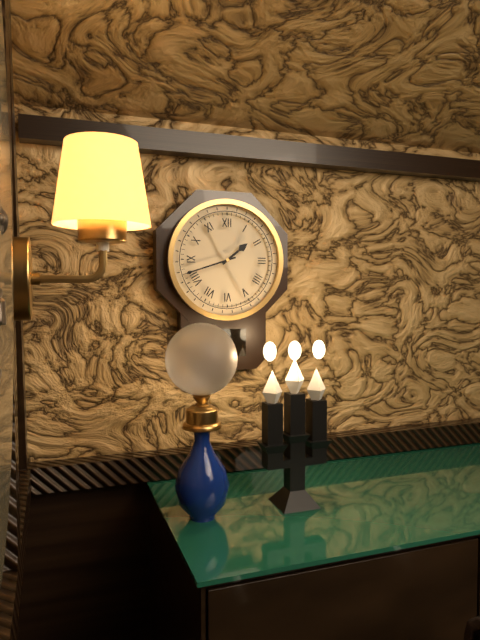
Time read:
1h42
